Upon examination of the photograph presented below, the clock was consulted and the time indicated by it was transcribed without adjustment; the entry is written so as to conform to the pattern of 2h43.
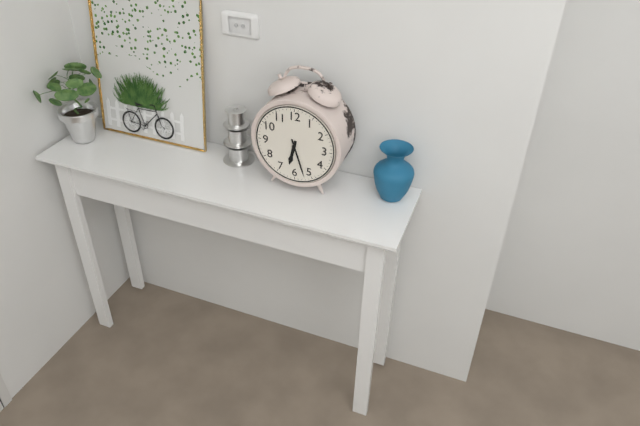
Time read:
6h27
